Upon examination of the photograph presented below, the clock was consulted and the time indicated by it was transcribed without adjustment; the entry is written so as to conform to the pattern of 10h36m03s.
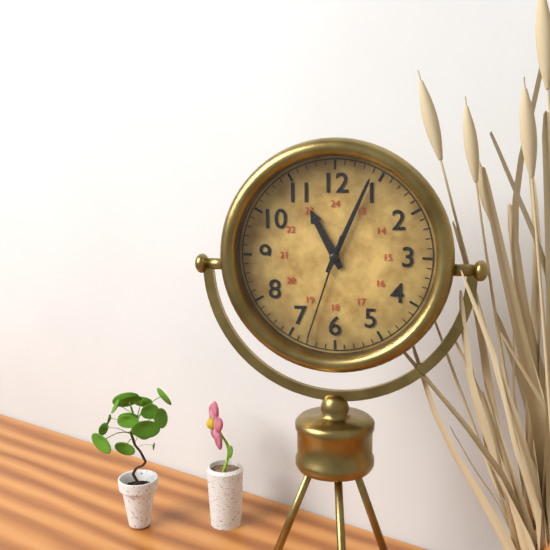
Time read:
11h04m33s
